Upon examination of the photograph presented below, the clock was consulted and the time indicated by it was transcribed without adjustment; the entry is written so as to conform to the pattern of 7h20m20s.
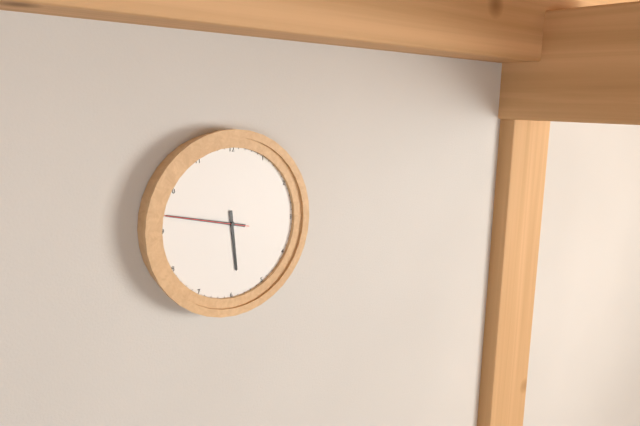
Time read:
5h47m47s
